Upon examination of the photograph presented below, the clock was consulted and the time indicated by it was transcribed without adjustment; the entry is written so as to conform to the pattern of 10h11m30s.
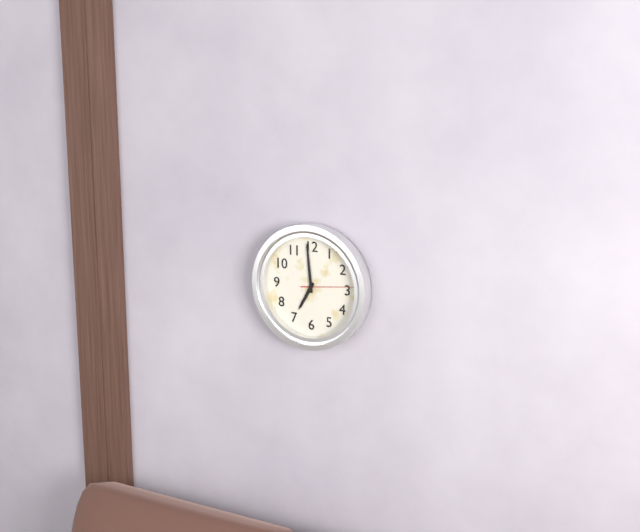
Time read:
6h59m14s
